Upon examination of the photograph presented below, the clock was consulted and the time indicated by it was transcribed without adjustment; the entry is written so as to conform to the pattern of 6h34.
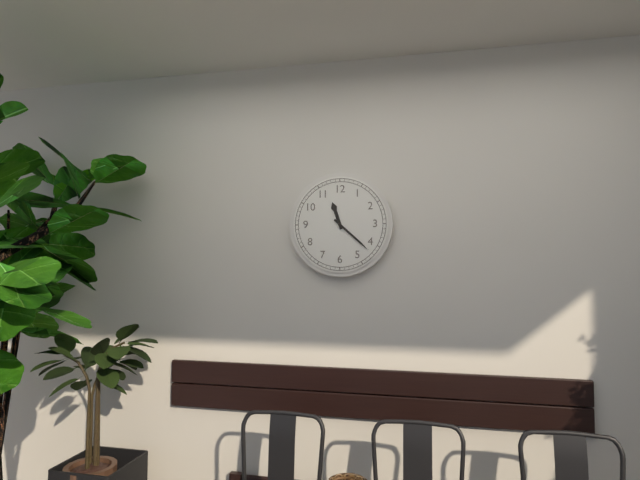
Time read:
11h22
